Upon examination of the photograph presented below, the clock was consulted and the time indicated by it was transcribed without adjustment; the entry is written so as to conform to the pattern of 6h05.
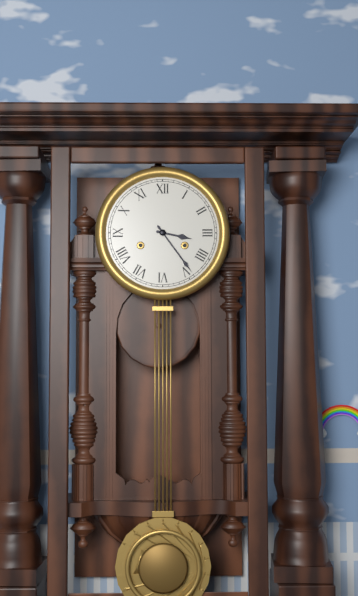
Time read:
3h24
